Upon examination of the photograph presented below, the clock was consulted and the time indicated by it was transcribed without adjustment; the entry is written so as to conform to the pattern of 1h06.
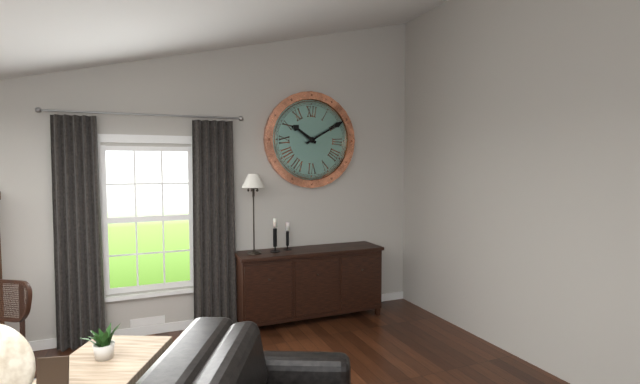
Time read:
10h10
